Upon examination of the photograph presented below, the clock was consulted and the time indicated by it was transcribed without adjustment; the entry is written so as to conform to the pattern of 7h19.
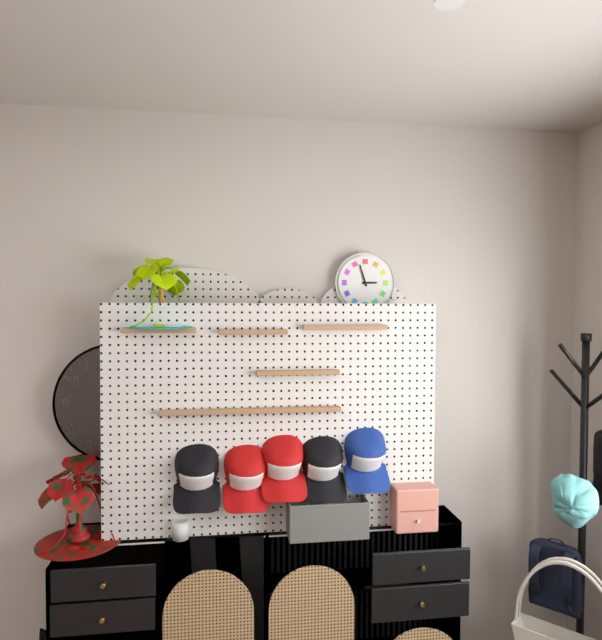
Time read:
2h57
